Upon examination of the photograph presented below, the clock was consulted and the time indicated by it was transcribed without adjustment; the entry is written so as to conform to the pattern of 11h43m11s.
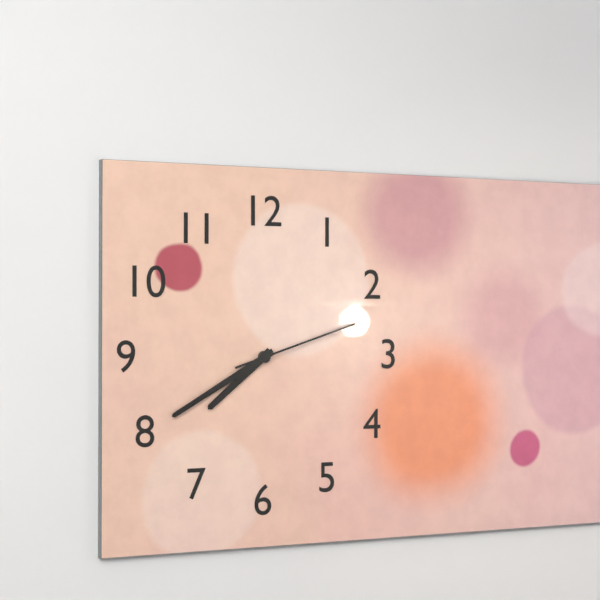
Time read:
7h40m12s
